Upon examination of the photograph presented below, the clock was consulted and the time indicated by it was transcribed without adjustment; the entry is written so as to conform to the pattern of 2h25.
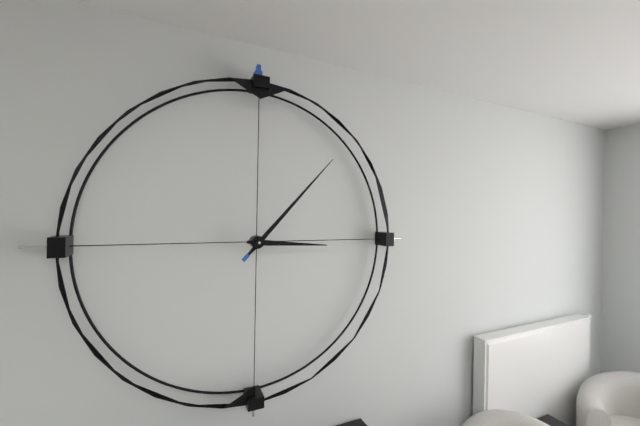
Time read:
3h07
